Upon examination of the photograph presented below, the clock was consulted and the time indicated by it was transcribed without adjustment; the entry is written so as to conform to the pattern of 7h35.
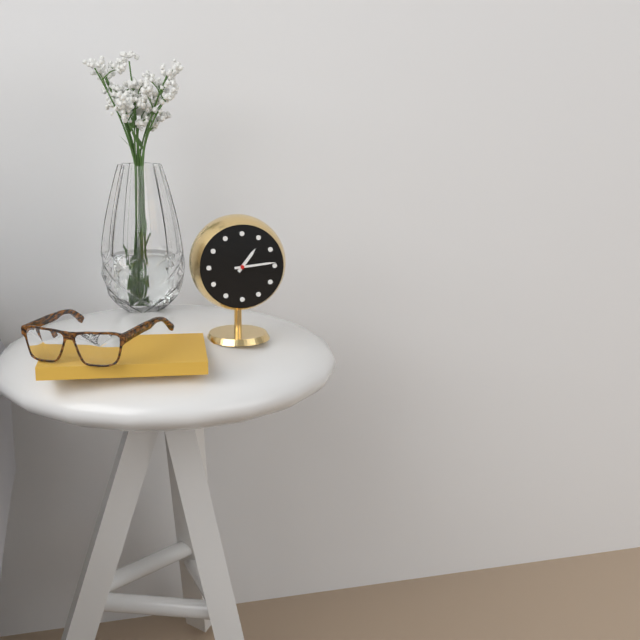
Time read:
1h14
